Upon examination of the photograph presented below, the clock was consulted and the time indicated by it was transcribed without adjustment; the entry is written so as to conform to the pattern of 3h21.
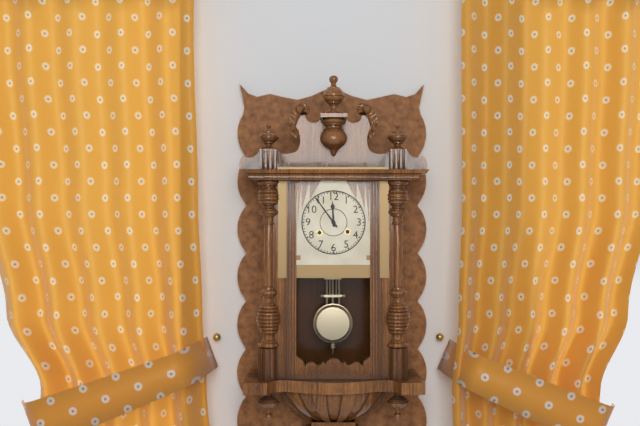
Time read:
11h54
